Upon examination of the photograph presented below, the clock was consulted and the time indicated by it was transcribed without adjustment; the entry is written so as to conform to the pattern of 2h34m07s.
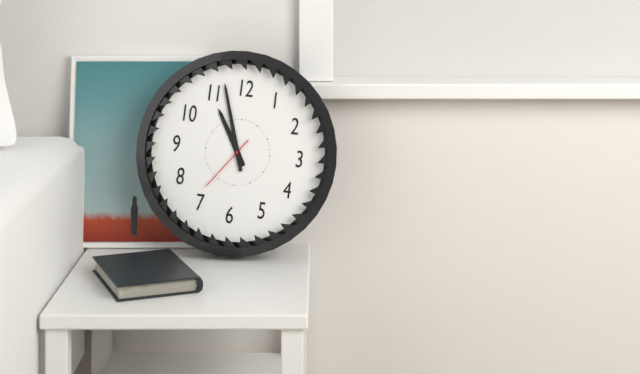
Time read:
10h57m36s
